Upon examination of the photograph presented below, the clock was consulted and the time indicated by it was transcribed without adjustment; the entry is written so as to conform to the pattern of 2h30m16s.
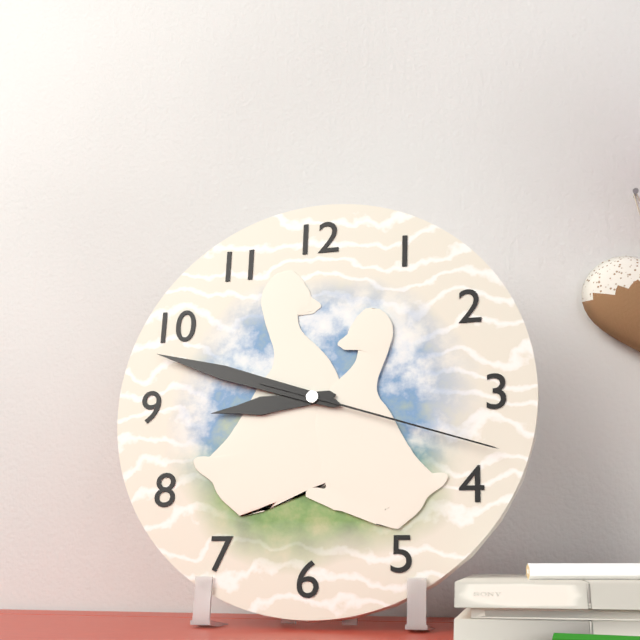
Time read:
8h48m18s
